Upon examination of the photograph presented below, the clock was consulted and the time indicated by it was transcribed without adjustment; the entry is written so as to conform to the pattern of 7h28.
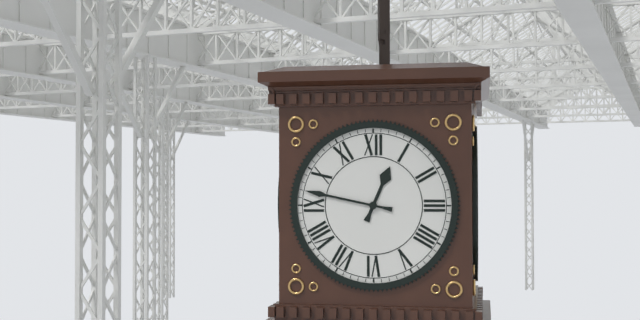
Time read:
12h47
